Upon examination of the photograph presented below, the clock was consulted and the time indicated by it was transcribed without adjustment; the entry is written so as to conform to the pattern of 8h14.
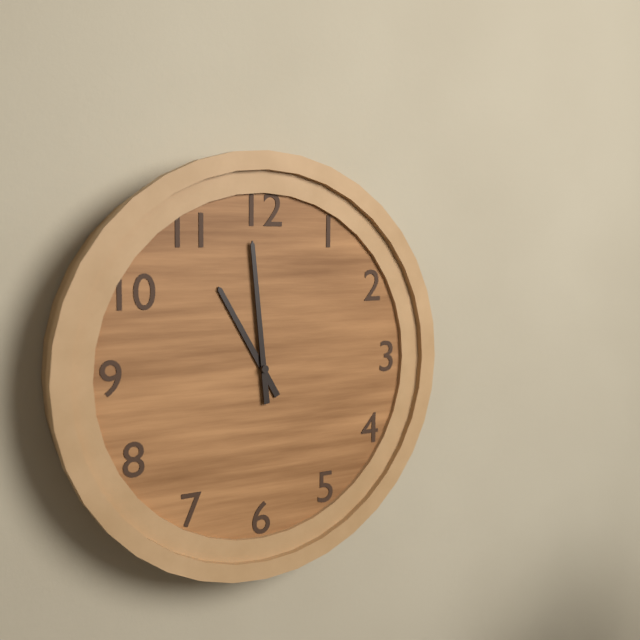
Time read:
10h59
